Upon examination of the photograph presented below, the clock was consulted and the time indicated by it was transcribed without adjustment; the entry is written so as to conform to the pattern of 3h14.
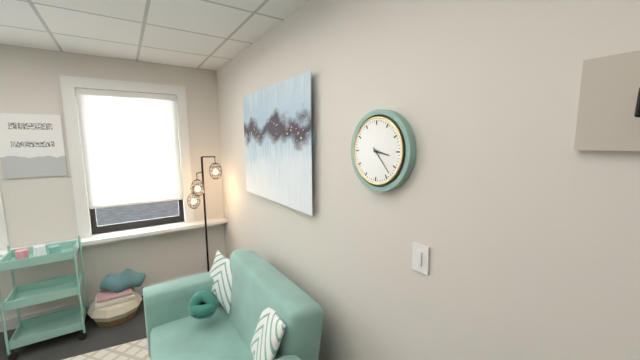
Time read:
3h23
